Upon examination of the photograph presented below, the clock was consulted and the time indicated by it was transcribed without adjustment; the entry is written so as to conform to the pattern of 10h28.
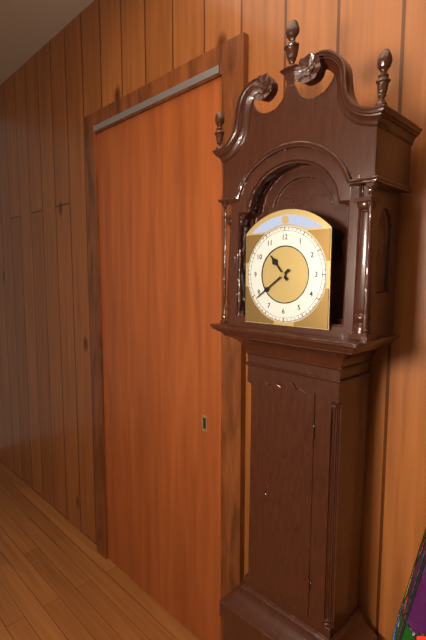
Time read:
10h39
